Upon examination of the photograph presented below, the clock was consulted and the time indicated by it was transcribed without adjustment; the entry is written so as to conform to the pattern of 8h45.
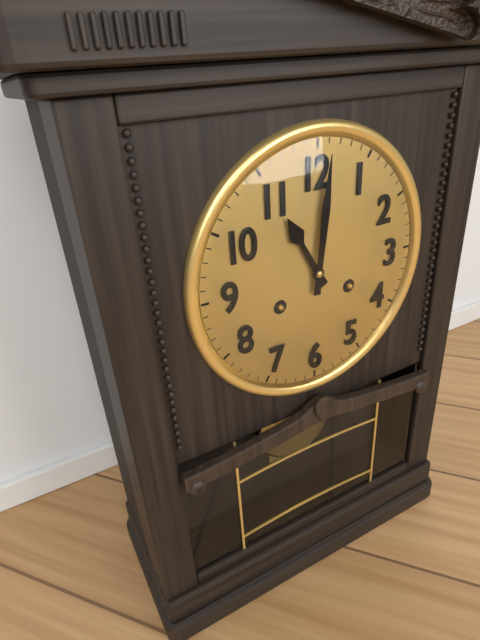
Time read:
11h01
